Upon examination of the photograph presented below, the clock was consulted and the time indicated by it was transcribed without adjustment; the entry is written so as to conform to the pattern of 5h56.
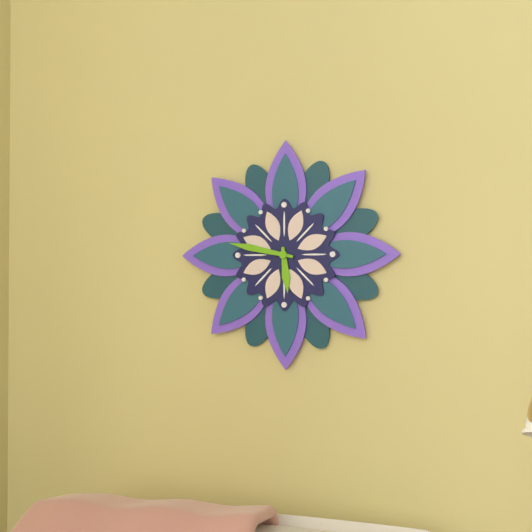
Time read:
5h47
